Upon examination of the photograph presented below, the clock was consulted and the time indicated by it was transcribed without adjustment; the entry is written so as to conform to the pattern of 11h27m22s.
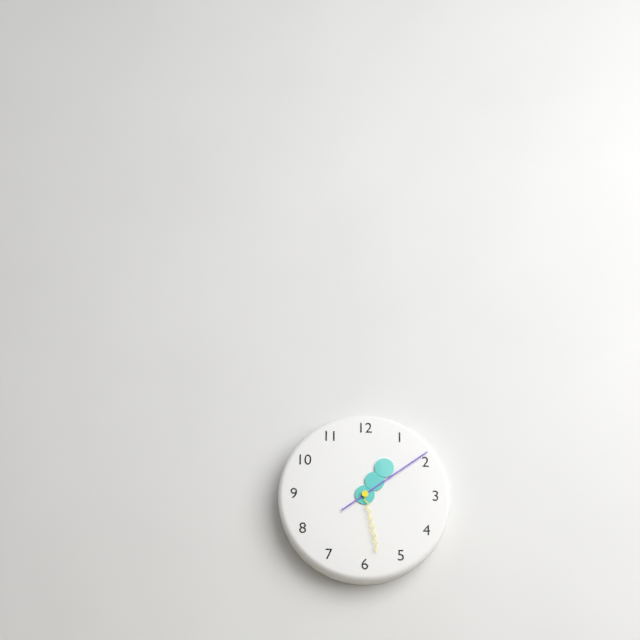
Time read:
1h09m28s
